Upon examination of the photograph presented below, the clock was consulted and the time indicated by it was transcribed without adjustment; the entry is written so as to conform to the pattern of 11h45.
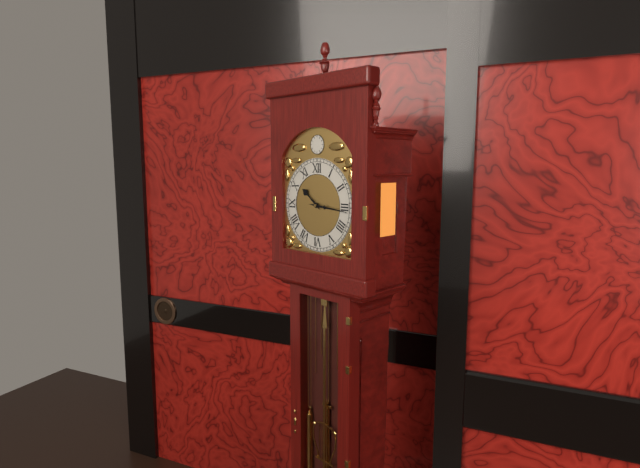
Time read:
10h16
